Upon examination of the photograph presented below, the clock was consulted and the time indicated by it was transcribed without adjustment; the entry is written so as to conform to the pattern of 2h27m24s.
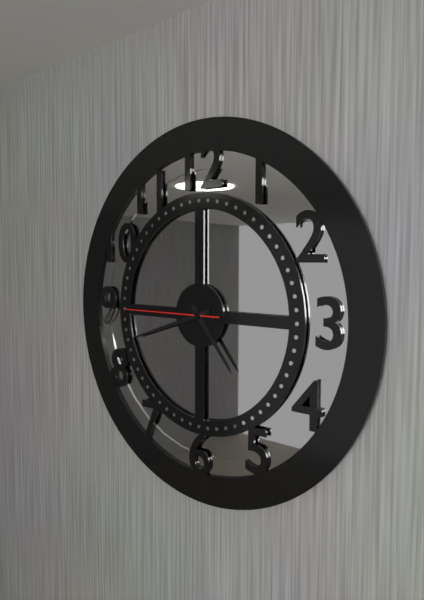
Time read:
4h42m45s
